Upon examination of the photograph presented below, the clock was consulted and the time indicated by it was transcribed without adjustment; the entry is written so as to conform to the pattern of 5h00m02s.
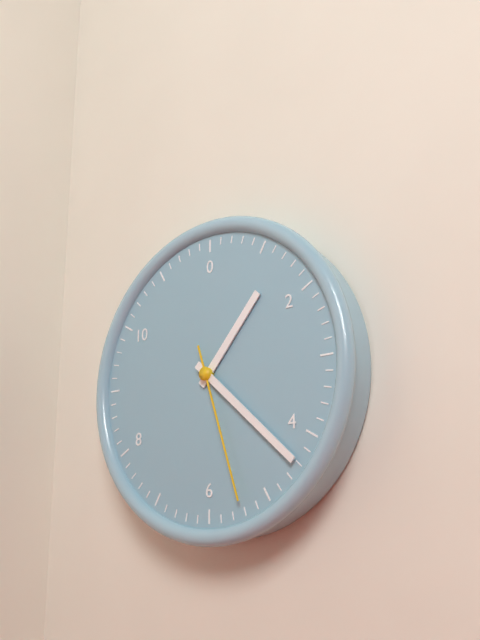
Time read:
1h22m27s
